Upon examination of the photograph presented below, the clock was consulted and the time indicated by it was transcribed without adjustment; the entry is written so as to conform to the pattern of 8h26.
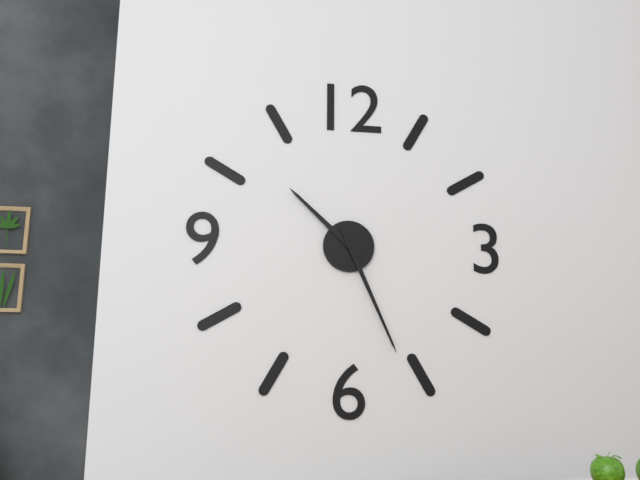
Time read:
10h26
